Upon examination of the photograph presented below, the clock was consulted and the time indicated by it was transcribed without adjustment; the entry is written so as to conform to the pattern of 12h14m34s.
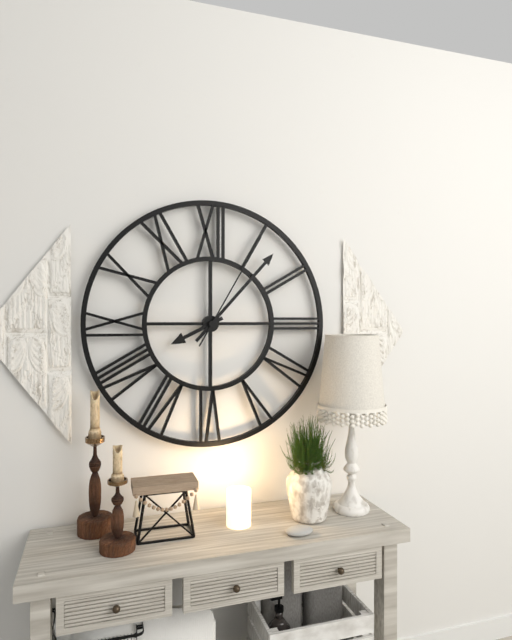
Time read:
8h07m05s
